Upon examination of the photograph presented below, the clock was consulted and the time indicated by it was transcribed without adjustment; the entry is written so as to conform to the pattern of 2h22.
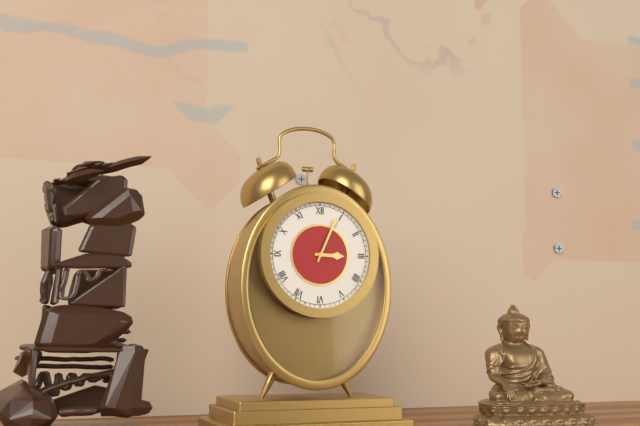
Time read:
3h04
